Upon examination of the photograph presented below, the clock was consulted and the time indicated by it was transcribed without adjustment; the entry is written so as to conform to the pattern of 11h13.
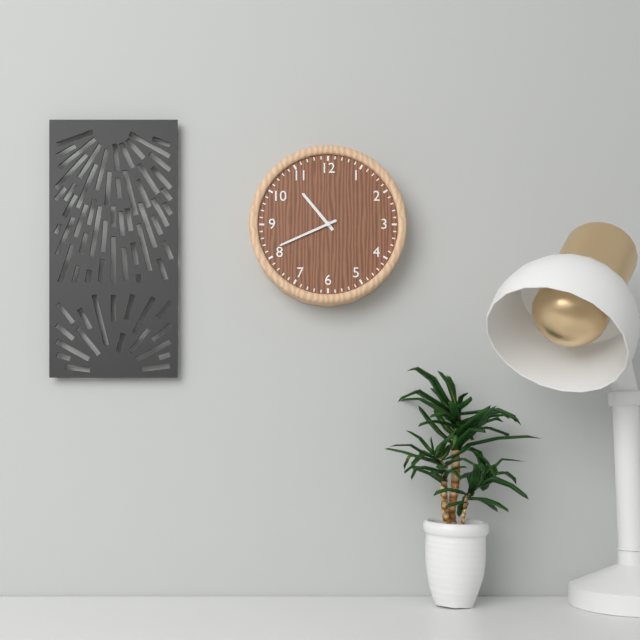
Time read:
10h41
